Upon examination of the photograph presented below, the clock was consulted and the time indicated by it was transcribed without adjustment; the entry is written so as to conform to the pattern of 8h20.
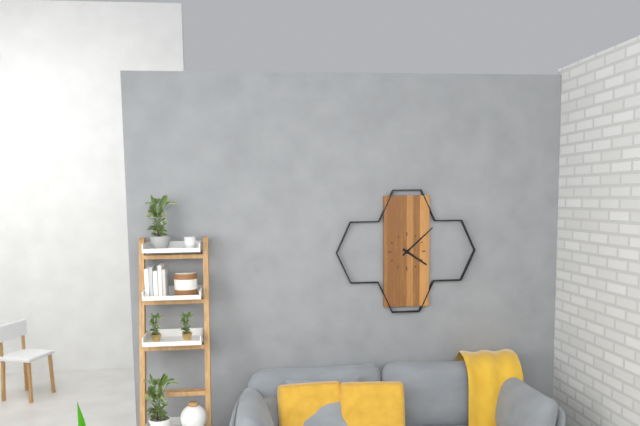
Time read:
4h08
